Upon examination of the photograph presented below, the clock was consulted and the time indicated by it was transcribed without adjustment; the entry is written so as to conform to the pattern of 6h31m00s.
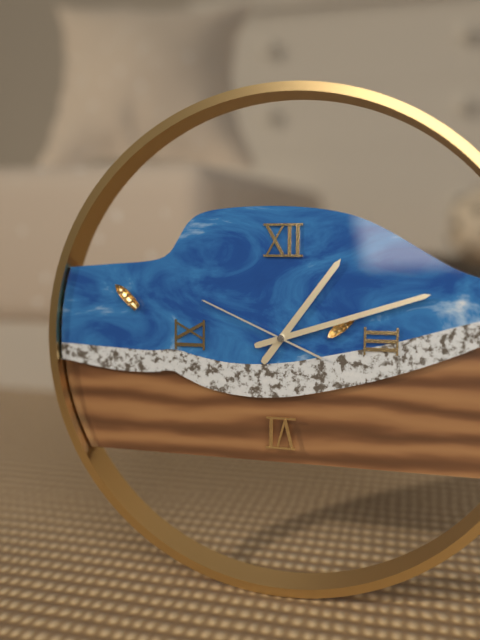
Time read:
1h12m49s
